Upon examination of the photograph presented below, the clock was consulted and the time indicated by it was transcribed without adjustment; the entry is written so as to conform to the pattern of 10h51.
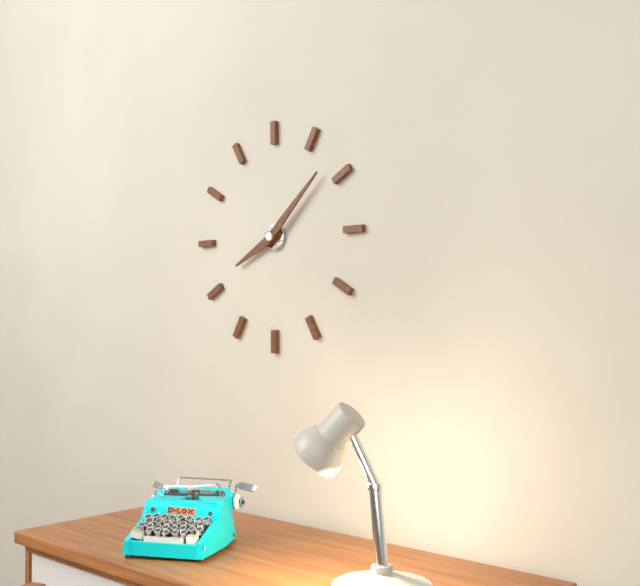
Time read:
8h08
